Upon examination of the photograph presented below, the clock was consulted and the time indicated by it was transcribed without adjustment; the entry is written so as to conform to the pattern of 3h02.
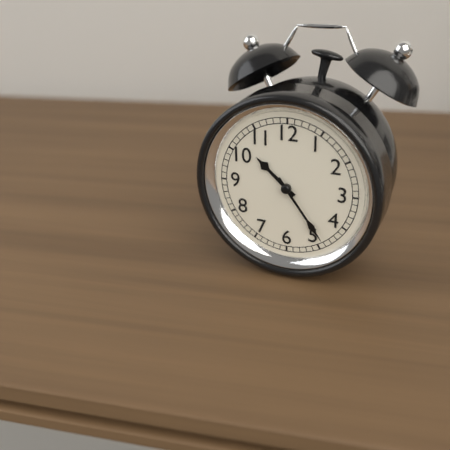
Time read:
10h24
